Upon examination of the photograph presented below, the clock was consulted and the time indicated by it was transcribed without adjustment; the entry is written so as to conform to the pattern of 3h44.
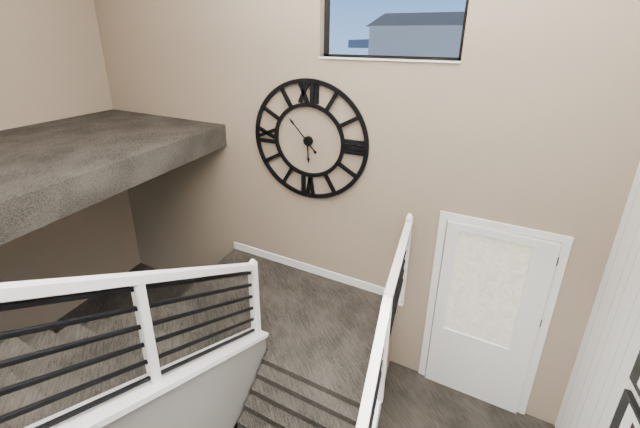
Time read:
5h53
